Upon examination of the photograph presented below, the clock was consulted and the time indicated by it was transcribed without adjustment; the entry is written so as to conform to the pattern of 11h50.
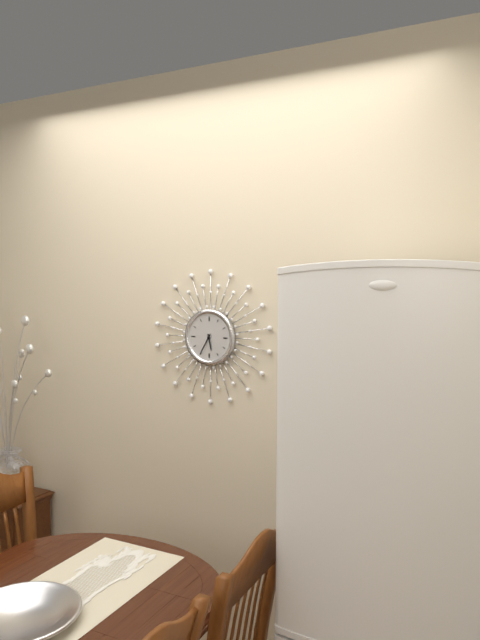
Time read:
5h35
